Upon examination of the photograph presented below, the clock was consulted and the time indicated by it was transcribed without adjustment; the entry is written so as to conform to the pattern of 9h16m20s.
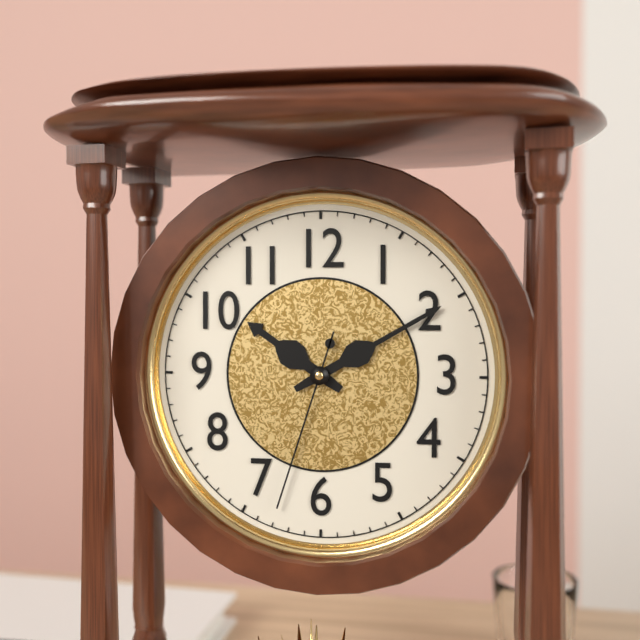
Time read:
10h10m33s
